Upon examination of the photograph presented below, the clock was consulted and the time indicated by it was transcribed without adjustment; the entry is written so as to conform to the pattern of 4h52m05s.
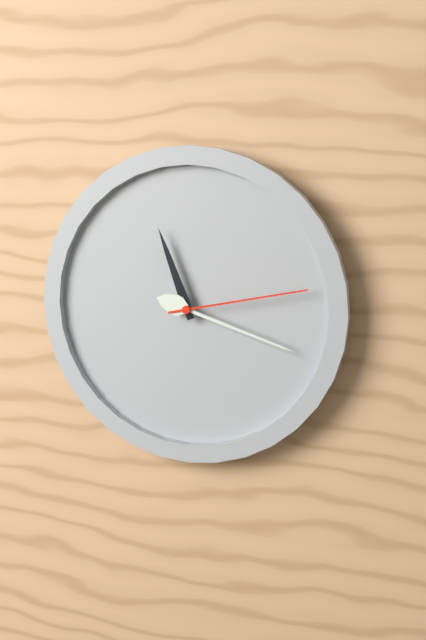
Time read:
11h18m13s
